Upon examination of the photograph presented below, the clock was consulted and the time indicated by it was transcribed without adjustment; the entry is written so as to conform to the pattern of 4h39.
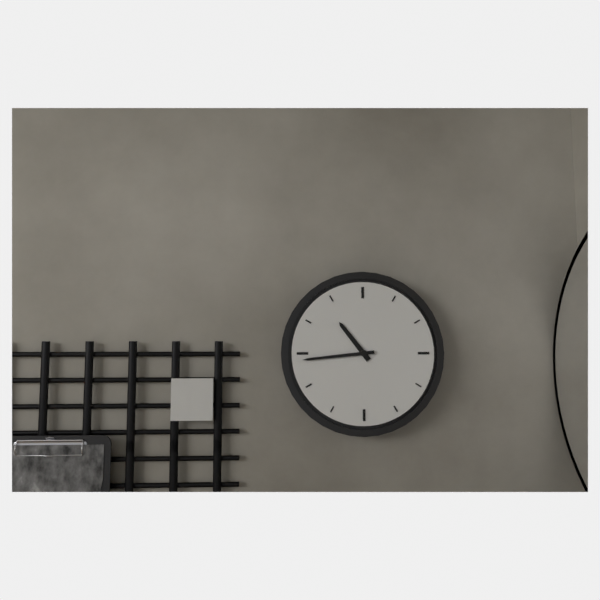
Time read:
10h44
